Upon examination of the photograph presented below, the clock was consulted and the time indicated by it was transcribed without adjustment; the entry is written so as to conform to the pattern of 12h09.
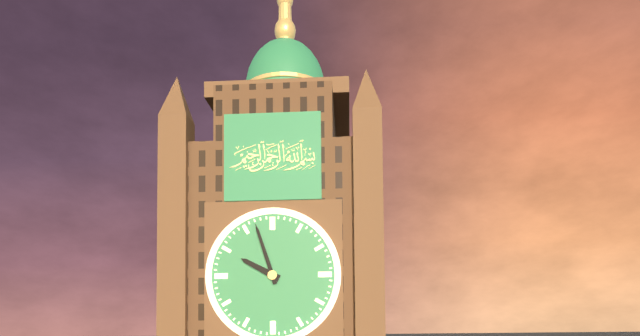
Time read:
9h57
